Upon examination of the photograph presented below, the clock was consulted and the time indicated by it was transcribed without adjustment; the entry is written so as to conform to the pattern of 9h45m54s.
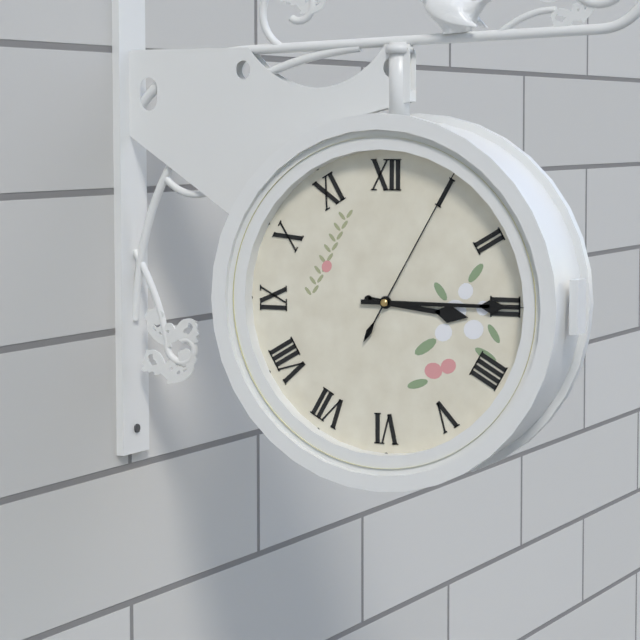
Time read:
3h15m05s
